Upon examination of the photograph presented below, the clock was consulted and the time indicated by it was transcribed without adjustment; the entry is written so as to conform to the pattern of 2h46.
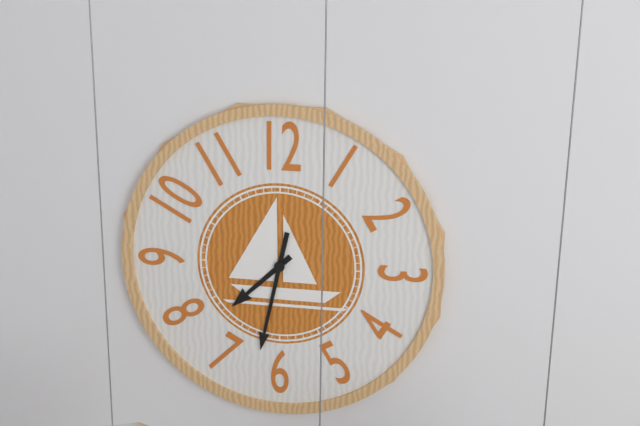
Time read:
7h32
